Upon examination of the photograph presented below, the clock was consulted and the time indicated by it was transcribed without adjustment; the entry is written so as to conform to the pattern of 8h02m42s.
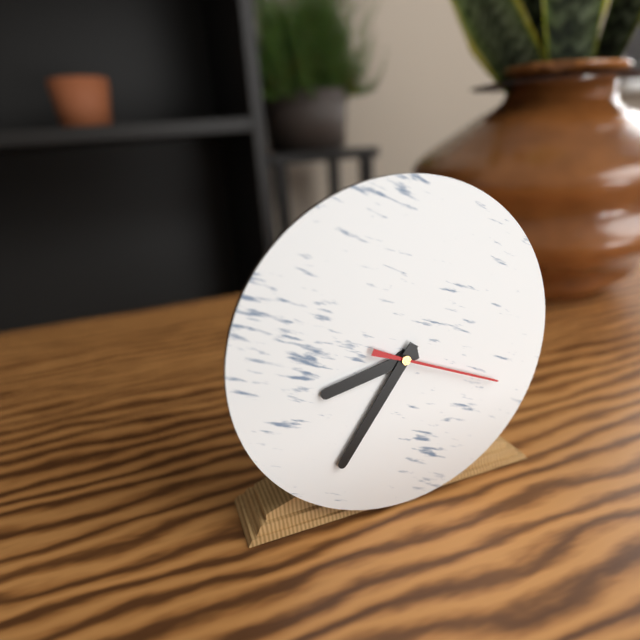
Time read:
8h36m19s
